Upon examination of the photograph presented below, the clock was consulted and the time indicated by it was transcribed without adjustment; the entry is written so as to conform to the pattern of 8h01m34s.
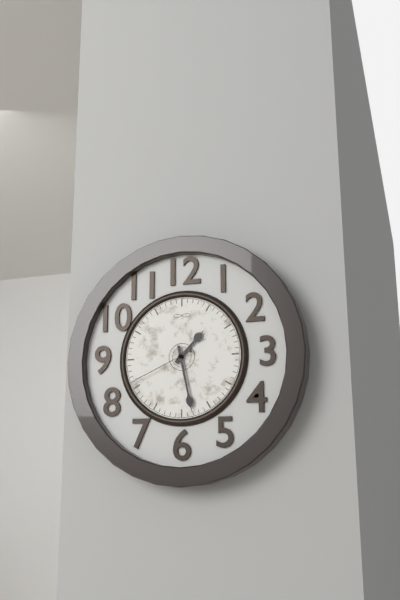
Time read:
1h28m41s
